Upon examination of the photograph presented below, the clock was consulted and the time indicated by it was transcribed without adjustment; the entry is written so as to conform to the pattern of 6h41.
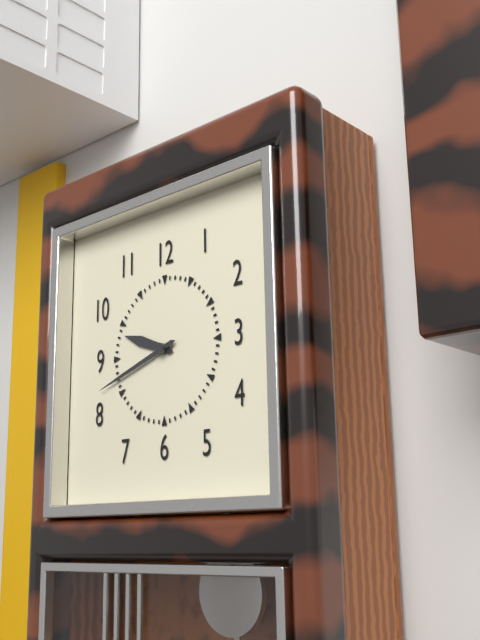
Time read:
9h42
